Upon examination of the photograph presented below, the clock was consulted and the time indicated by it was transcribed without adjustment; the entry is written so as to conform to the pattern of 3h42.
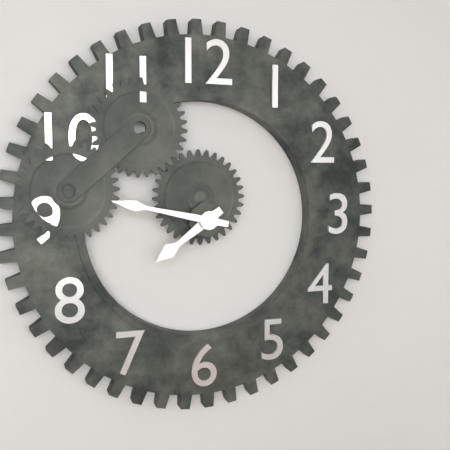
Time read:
7h47
